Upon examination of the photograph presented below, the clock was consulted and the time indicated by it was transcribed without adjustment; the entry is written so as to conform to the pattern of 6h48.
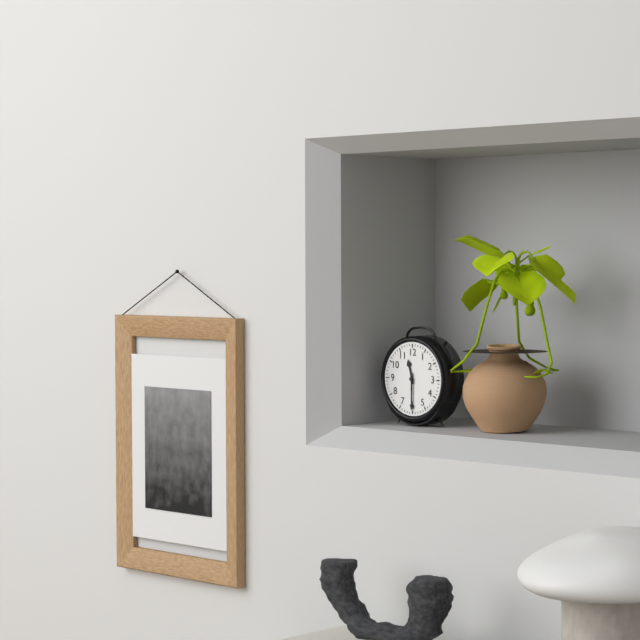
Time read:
11h30
